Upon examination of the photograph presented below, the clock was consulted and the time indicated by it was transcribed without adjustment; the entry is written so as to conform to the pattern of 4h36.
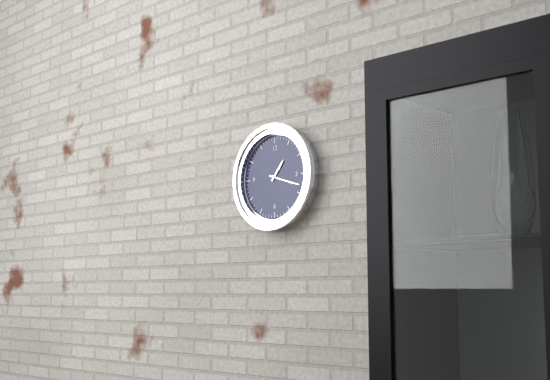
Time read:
1h18
